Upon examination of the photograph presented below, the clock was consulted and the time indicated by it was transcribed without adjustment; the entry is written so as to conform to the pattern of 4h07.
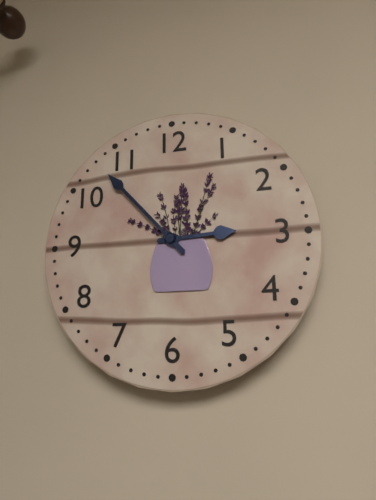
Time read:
2h53
